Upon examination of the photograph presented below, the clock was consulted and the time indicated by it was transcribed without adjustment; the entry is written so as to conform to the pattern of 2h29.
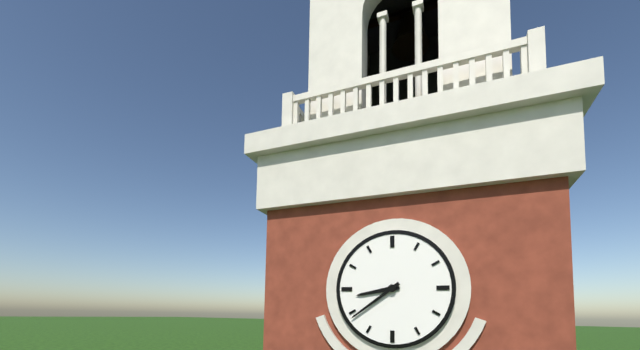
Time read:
8h39
